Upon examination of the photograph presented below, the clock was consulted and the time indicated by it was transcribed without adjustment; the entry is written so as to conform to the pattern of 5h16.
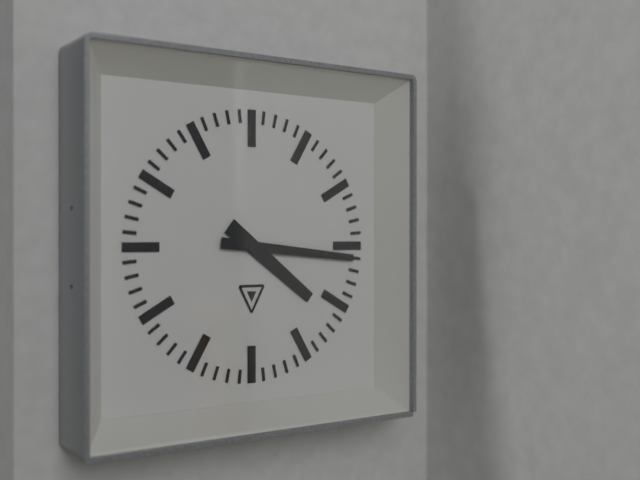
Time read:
4h16
